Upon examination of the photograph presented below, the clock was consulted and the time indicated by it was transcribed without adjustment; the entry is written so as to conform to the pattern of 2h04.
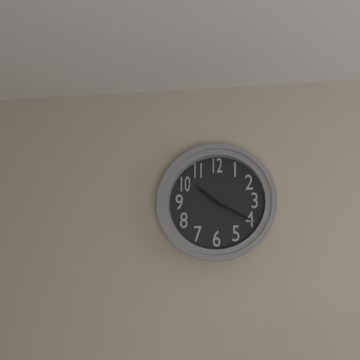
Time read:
10h20
